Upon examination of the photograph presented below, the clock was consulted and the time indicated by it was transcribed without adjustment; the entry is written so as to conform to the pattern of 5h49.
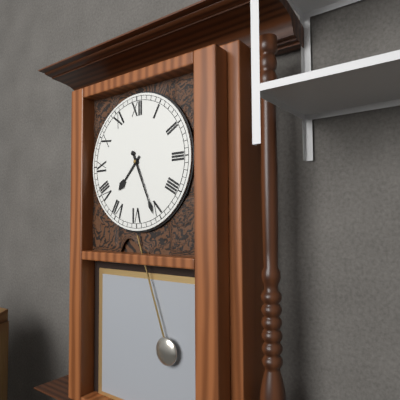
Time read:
7h26
